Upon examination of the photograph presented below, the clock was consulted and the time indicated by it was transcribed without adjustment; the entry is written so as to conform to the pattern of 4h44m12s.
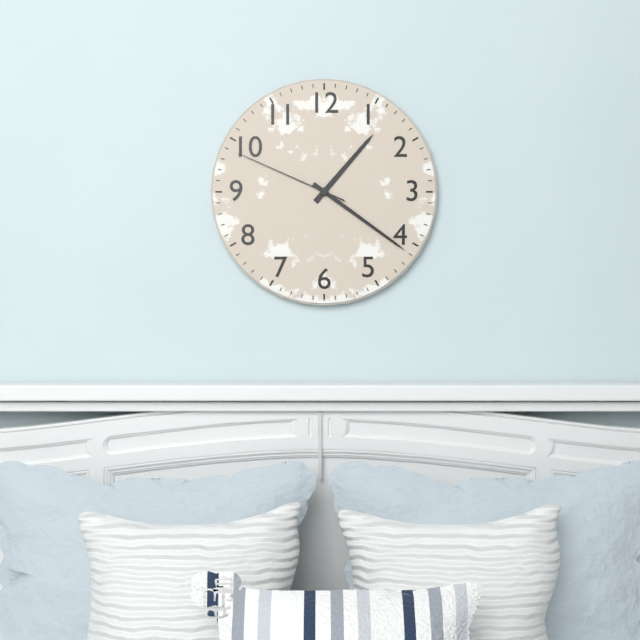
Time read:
1h21m49s
